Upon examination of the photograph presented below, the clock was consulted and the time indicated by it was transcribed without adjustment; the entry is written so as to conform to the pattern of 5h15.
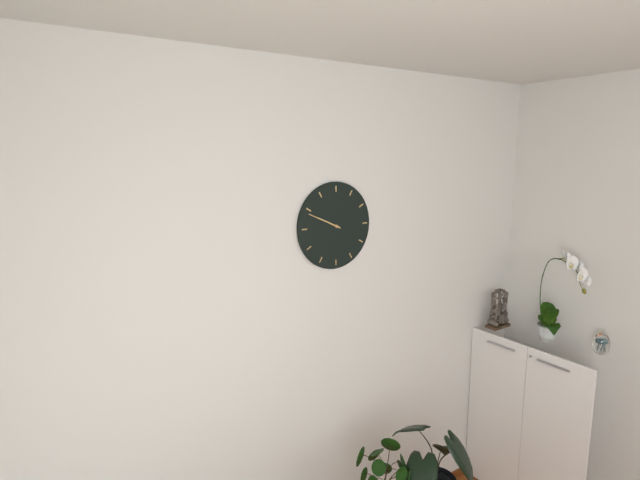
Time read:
9h49
